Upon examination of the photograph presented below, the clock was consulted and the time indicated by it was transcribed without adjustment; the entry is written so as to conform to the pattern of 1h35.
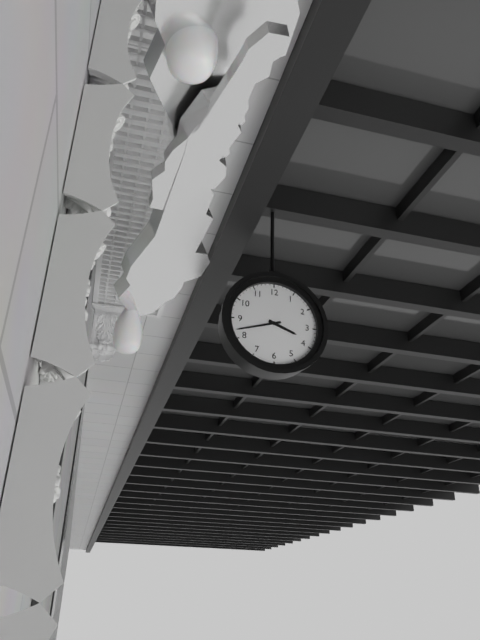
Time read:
3h42
